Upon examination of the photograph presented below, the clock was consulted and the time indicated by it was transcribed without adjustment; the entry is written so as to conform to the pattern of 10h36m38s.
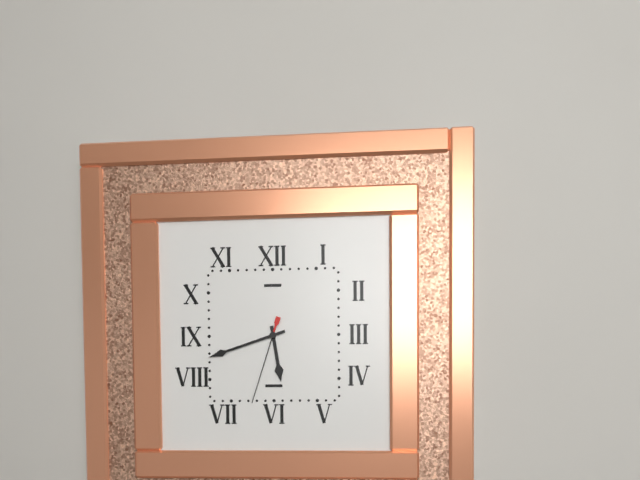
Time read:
5h42m33s
